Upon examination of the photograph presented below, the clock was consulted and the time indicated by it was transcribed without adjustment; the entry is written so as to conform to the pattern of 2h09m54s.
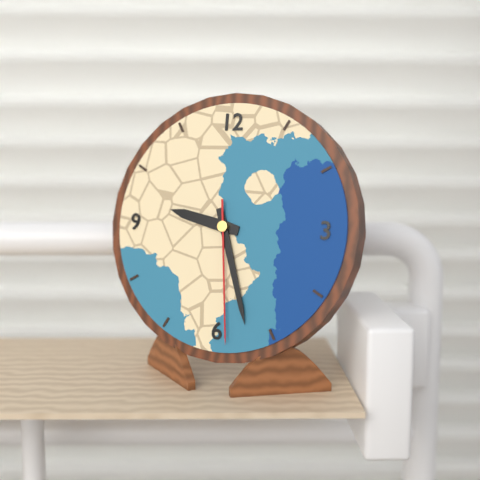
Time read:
9h27m29s
